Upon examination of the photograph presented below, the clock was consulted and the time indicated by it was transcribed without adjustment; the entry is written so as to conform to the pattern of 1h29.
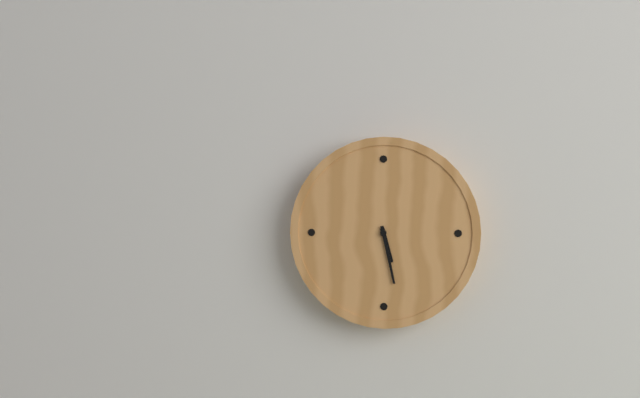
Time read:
5h28
